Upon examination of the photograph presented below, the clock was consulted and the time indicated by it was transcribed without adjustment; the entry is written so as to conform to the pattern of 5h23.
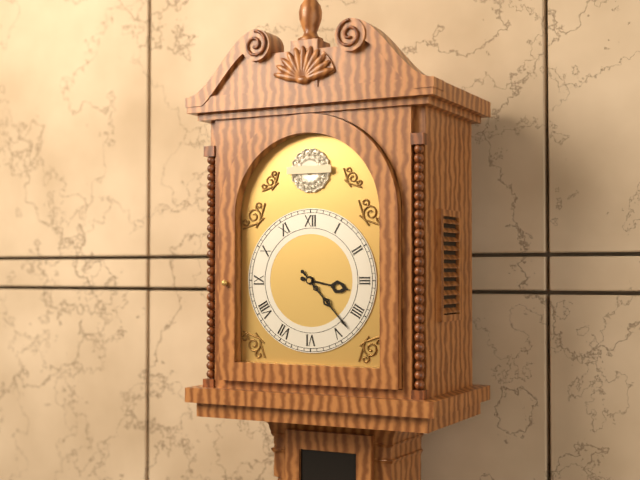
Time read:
3h23
